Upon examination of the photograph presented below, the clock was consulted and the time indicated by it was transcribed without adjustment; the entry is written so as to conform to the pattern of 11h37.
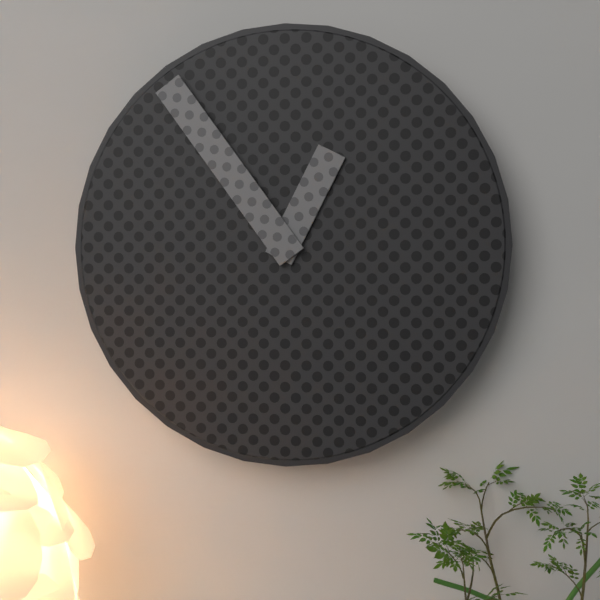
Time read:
12h54
